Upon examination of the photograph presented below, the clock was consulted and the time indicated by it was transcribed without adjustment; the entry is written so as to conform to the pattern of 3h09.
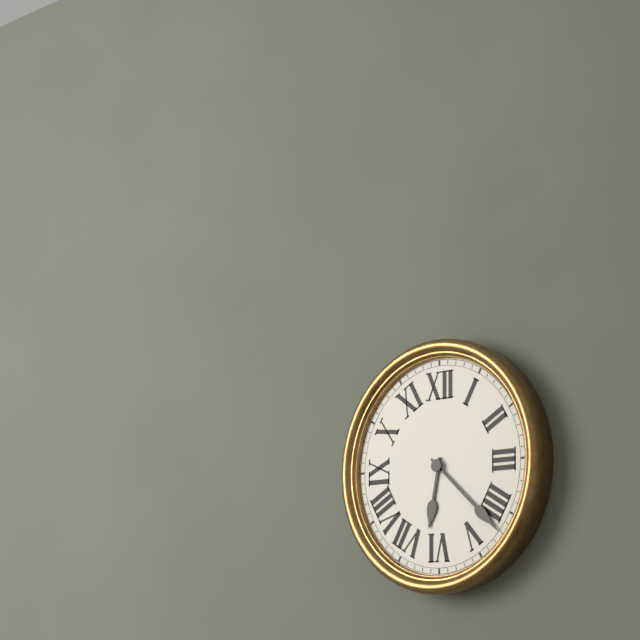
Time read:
6h22
